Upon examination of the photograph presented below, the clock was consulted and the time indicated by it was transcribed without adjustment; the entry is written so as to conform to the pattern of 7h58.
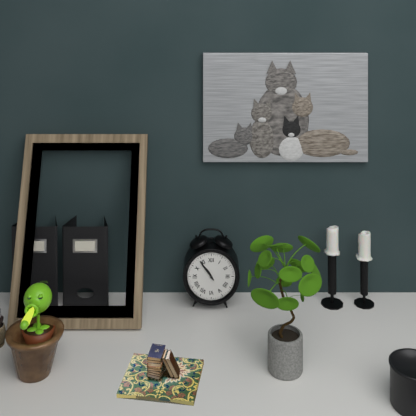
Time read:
10h54
